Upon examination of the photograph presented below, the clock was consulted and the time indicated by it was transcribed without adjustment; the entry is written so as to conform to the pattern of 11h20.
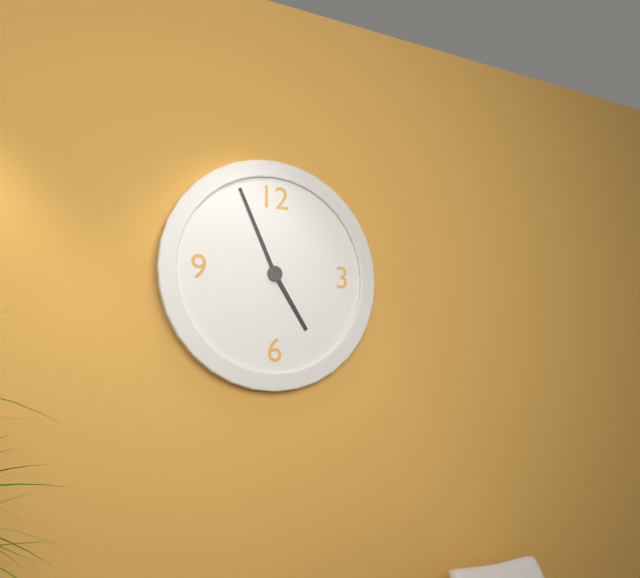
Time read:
4h56
